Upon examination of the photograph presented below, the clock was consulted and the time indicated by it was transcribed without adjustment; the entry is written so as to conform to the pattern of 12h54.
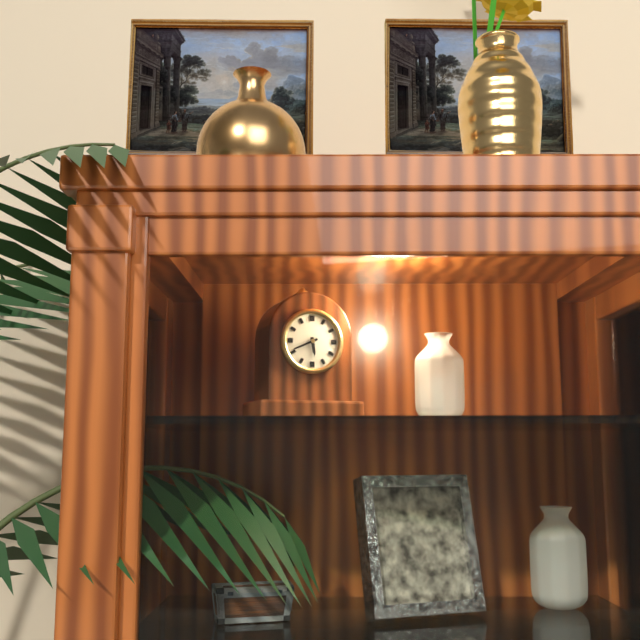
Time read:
5h41
